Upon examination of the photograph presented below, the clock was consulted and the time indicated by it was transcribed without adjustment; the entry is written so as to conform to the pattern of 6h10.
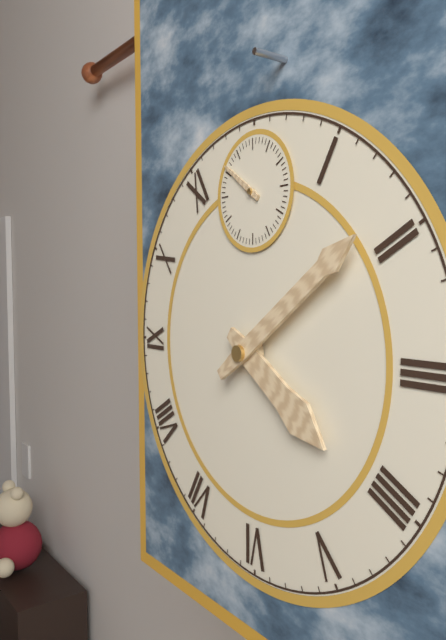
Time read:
4h09
